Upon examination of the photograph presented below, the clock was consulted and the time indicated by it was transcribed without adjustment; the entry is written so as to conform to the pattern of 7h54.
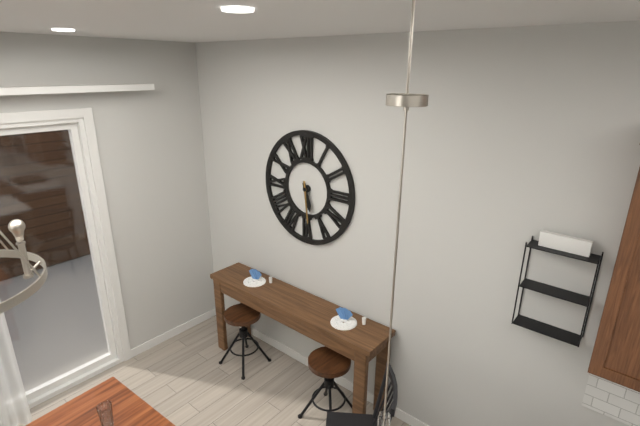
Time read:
5h29
